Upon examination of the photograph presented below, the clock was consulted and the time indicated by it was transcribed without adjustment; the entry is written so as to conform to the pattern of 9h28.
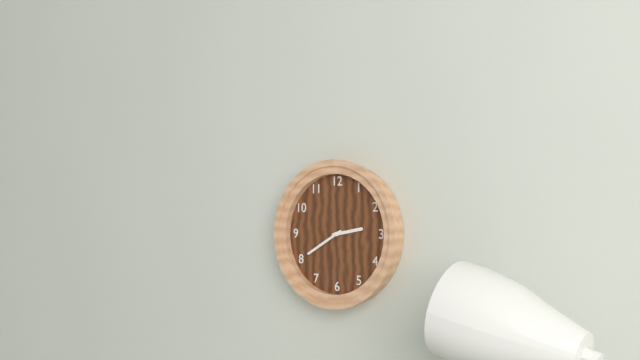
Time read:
2h40
